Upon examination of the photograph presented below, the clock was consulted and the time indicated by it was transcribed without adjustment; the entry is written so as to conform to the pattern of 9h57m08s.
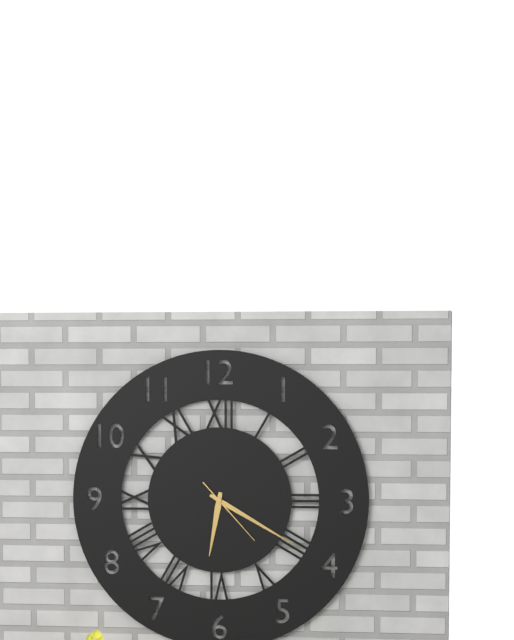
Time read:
6h20m23s
